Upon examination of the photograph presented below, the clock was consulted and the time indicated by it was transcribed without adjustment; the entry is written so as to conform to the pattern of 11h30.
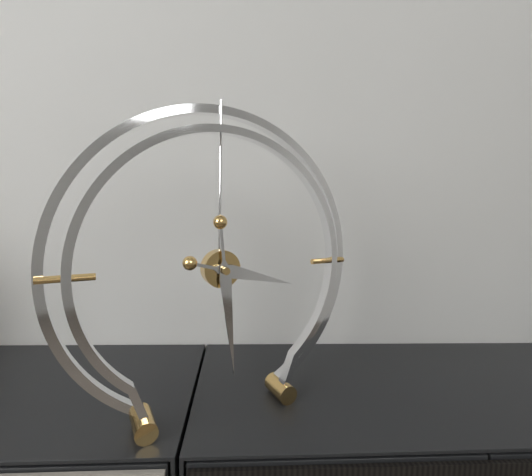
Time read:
3h29
